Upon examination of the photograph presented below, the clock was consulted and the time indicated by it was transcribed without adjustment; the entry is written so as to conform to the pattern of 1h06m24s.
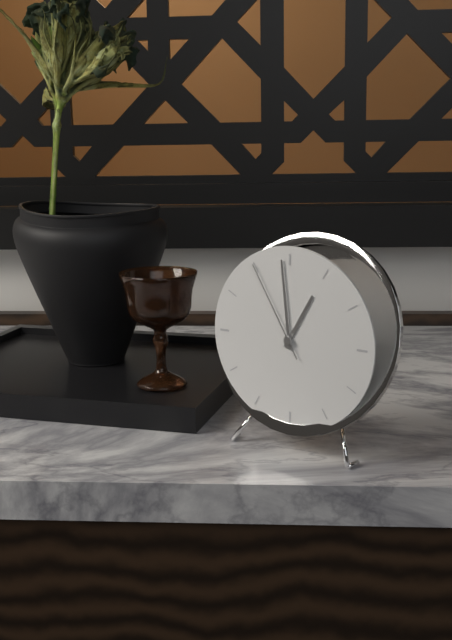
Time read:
12h59m55s
